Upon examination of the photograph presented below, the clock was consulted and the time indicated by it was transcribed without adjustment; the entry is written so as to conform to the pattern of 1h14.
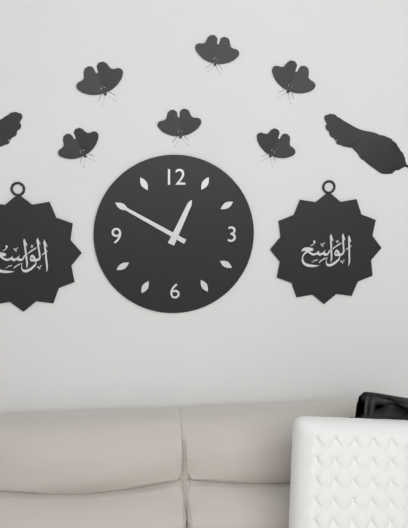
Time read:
12h50
